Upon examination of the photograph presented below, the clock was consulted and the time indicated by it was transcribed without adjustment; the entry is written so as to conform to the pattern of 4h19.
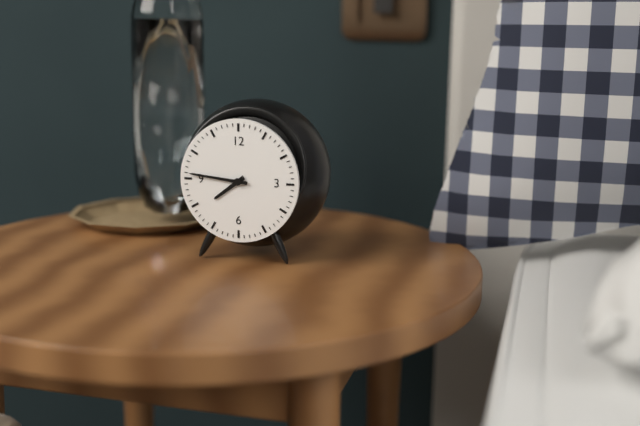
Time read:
7h46
